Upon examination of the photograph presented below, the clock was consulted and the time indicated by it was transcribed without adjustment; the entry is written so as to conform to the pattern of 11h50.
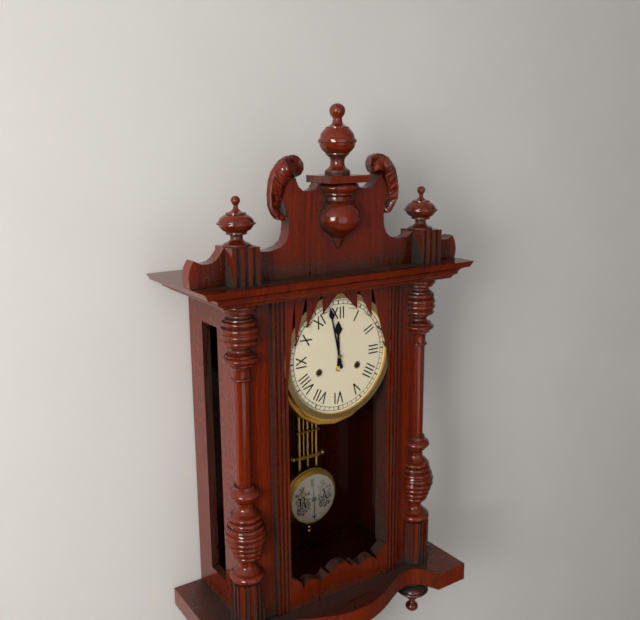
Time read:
11h58
